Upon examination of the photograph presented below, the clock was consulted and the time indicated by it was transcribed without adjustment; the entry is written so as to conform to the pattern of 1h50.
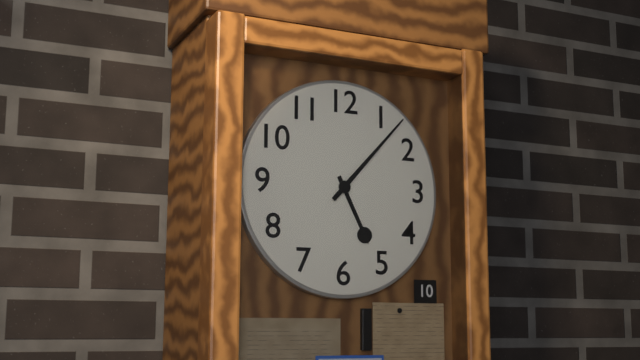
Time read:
5h07
